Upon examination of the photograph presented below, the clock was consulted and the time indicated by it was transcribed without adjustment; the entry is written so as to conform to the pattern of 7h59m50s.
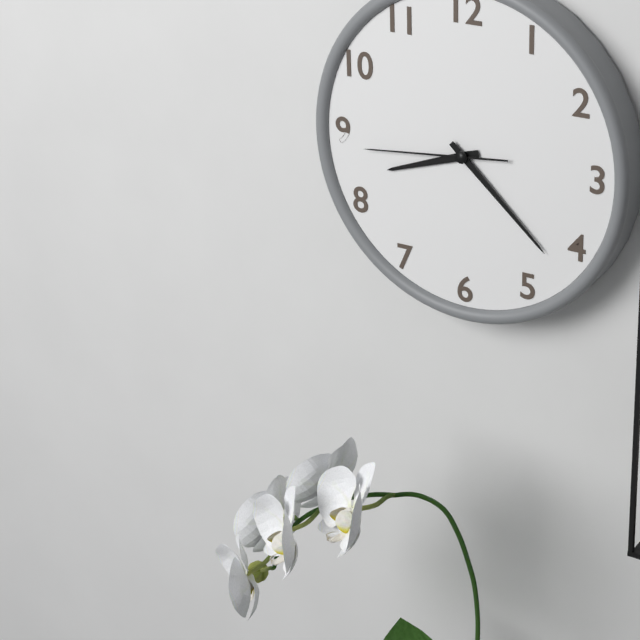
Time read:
8h22m44s
